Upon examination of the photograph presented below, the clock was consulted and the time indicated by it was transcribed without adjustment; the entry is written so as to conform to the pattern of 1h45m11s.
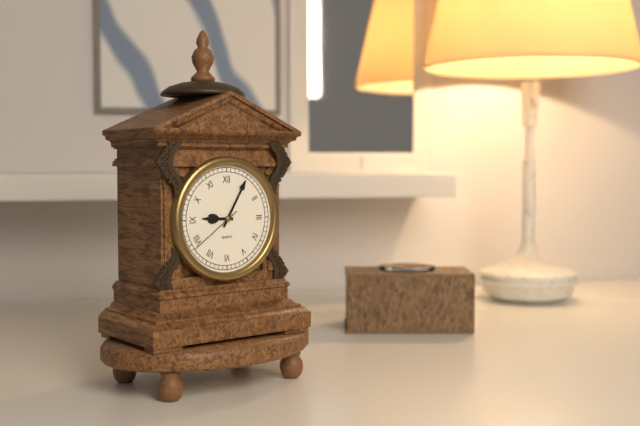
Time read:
9h05m39s
